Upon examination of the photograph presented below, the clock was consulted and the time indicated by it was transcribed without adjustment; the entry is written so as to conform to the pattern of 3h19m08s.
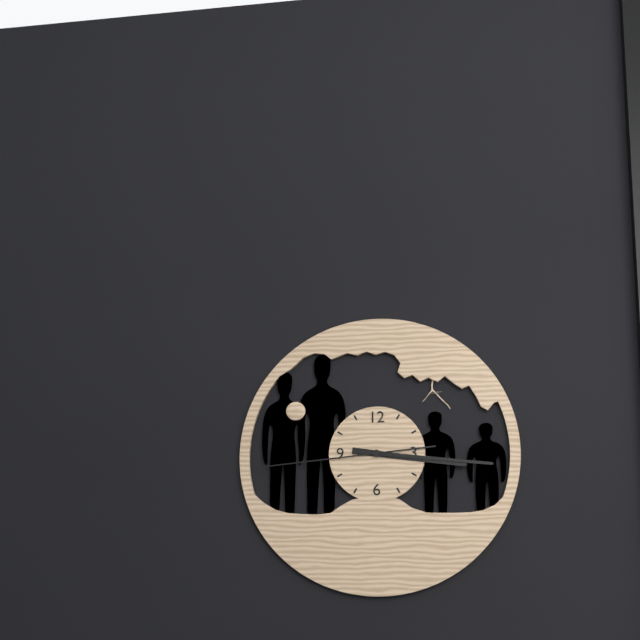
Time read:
3h16m44s
